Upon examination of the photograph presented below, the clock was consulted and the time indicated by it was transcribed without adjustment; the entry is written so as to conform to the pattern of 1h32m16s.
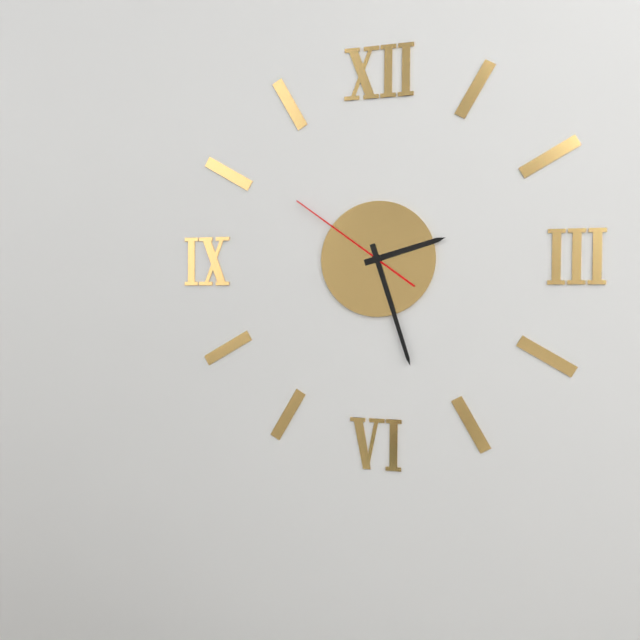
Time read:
2h27m51s
